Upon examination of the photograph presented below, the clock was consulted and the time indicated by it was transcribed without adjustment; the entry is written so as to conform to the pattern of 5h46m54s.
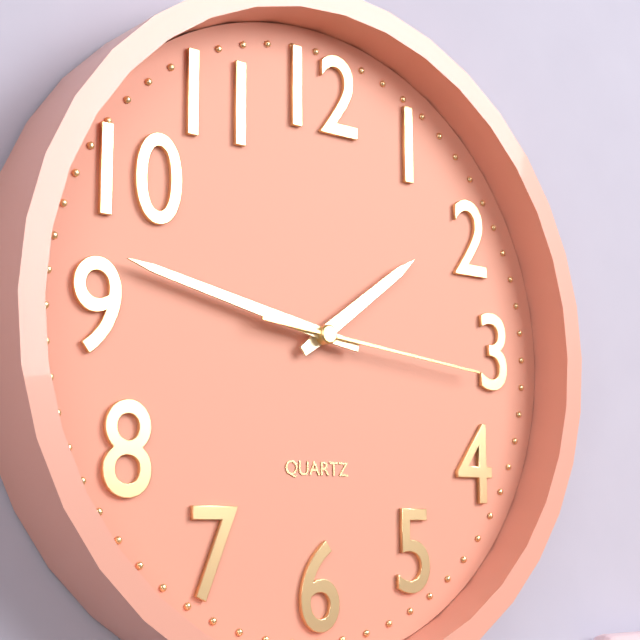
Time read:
1h47m16s
